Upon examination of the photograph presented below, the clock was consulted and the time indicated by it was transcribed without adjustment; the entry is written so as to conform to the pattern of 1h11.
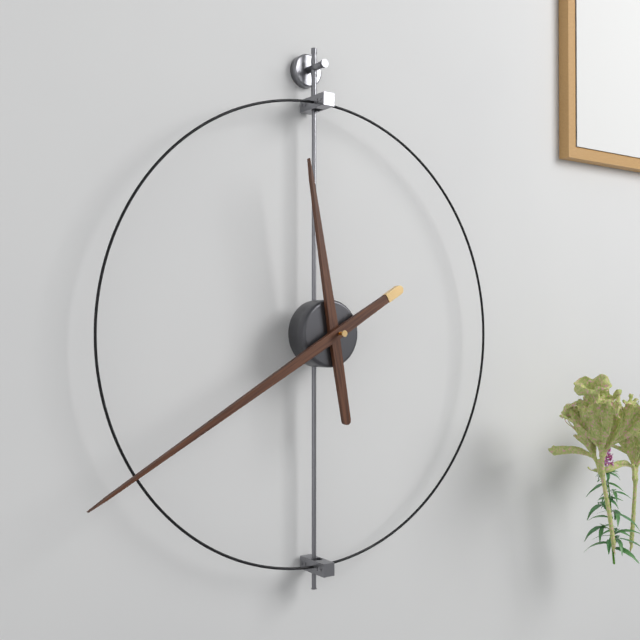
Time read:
11h40
